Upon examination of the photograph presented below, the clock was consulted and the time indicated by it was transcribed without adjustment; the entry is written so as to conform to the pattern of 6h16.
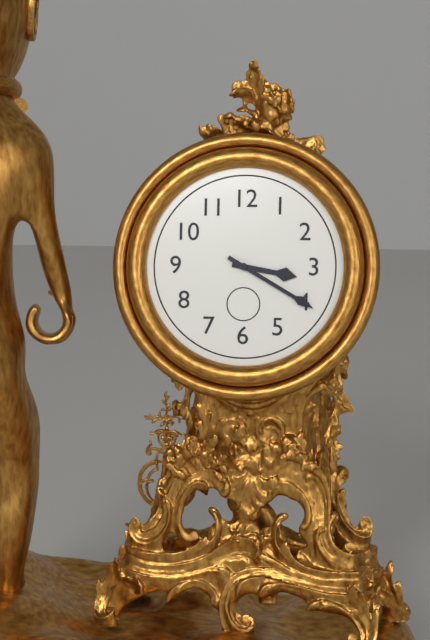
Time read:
3h20
